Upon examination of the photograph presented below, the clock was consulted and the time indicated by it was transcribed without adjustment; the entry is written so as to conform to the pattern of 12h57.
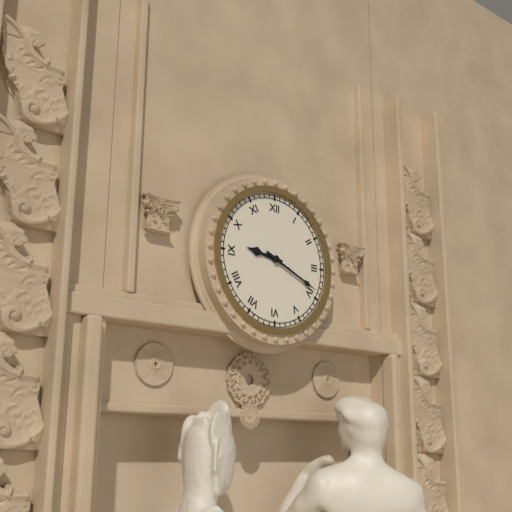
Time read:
9h19
